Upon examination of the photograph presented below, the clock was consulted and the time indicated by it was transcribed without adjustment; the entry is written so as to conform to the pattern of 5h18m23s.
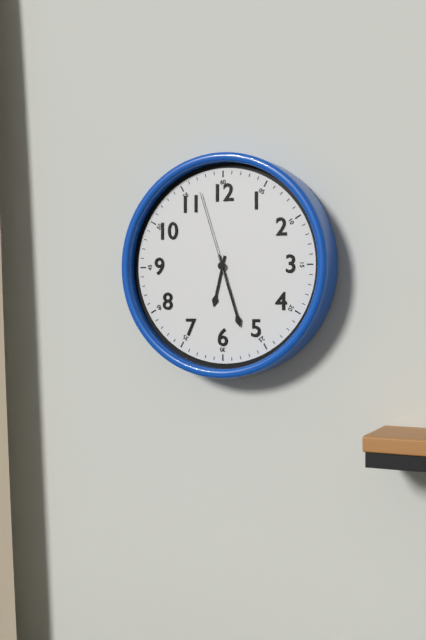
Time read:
6h27m57s
